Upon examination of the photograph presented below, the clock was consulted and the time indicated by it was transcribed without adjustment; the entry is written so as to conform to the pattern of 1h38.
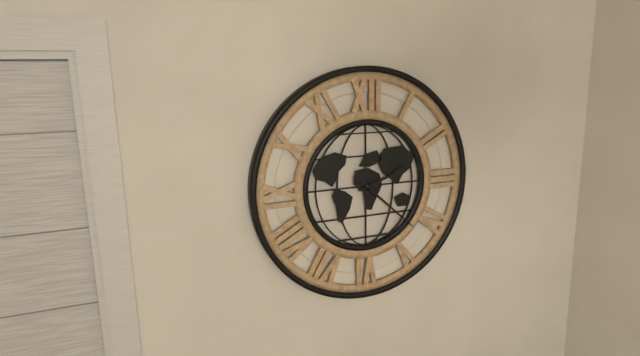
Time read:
2h22
